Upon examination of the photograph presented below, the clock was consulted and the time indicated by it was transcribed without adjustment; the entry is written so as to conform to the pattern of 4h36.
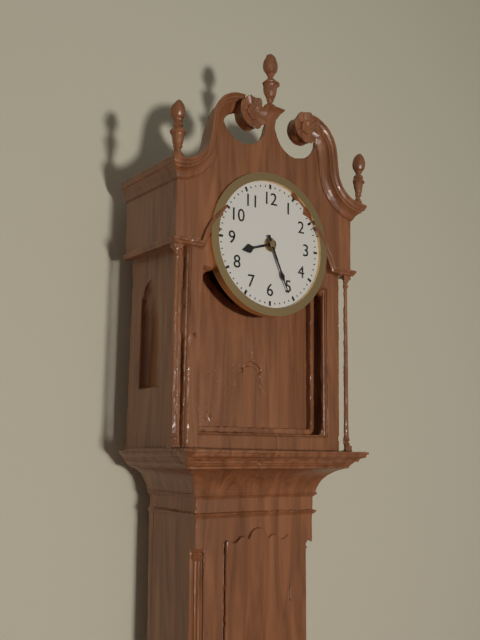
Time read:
8h26
